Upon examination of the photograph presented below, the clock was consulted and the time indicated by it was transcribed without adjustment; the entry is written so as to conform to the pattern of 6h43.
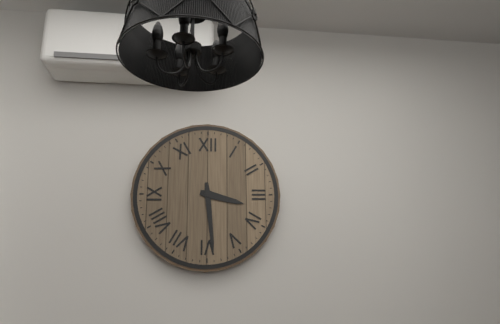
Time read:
3h29
